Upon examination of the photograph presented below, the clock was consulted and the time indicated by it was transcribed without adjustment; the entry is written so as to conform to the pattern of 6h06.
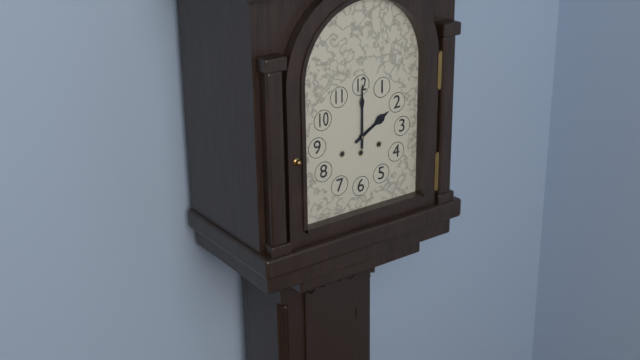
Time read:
2h00
